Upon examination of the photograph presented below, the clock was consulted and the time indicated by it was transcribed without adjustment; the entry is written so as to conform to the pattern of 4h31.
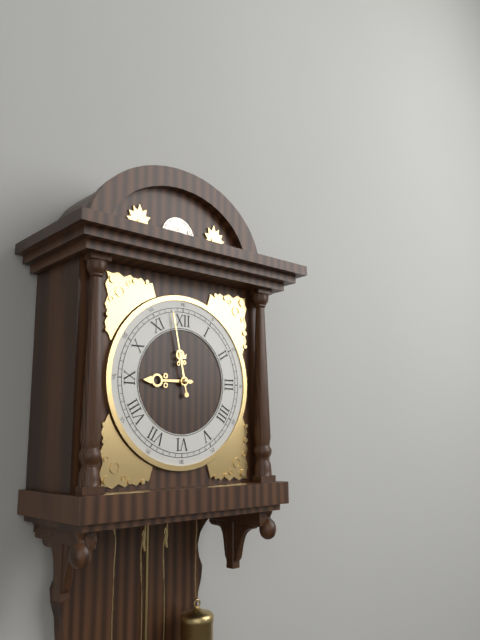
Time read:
8h58
